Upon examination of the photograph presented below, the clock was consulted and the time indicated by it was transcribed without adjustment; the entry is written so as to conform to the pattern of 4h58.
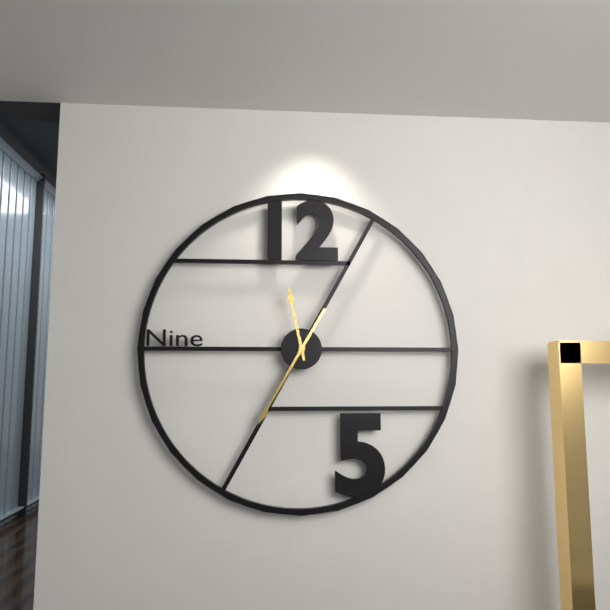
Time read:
11h35
